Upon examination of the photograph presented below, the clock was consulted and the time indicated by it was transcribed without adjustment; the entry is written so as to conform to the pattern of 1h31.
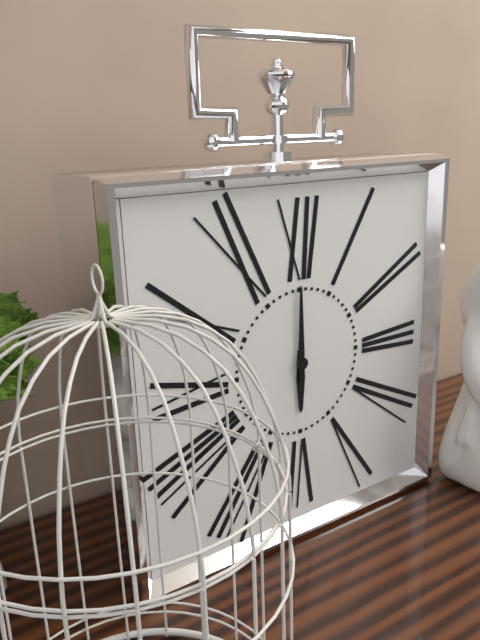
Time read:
6h00
